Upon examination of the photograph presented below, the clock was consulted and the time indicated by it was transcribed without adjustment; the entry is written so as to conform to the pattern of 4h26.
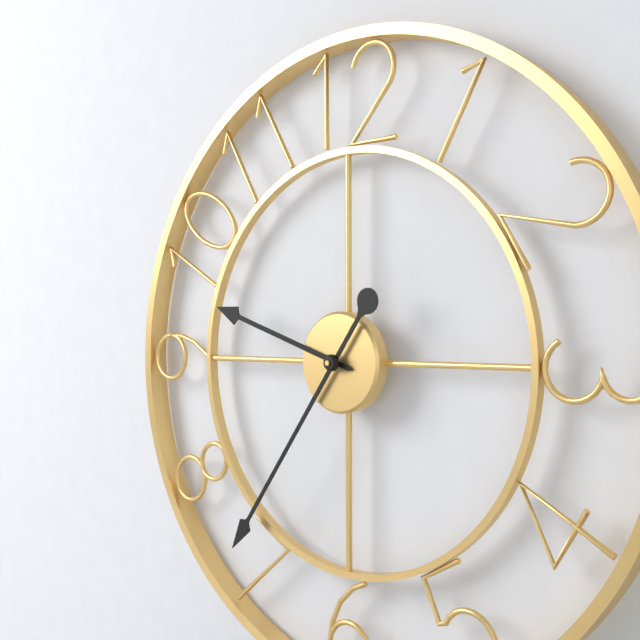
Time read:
9h36
